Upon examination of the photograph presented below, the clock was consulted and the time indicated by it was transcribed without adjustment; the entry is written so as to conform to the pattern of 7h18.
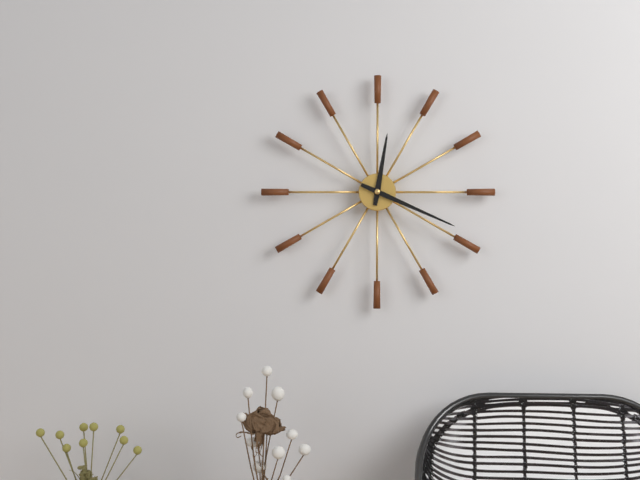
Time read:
12h19
